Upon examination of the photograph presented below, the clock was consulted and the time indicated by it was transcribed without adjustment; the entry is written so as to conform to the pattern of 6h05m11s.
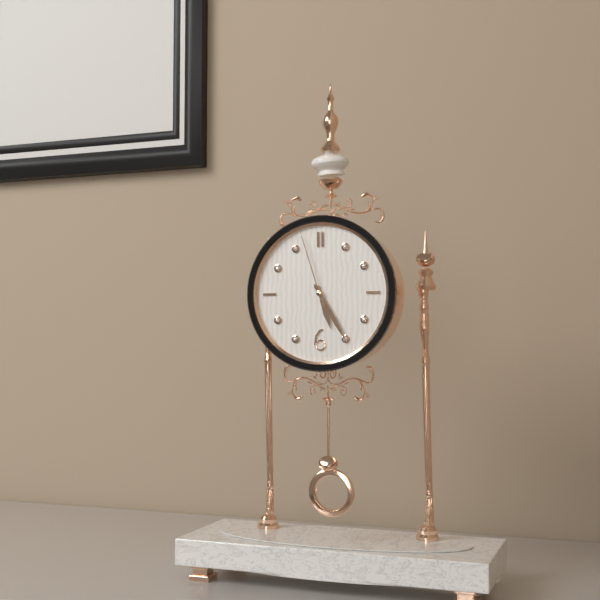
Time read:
5h25m57s
